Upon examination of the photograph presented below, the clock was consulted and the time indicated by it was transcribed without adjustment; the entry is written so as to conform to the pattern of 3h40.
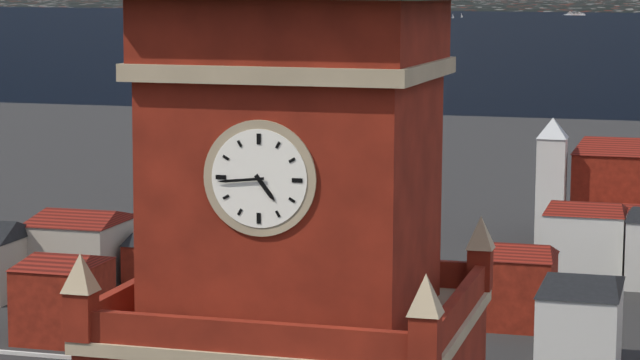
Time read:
4h44
